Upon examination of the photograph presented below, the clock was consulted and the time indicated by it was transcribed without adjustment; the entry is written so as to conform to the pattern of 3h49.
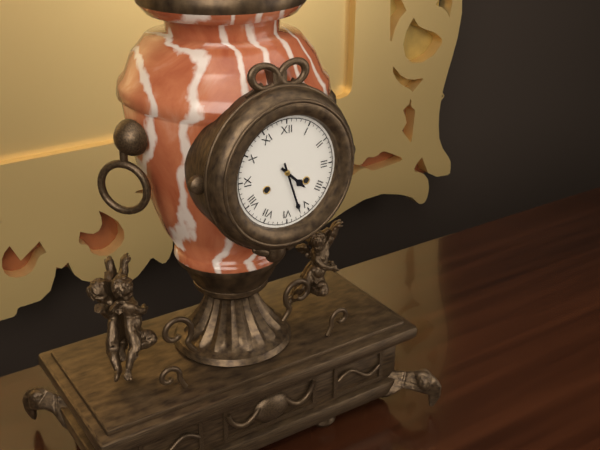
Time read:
4h27
